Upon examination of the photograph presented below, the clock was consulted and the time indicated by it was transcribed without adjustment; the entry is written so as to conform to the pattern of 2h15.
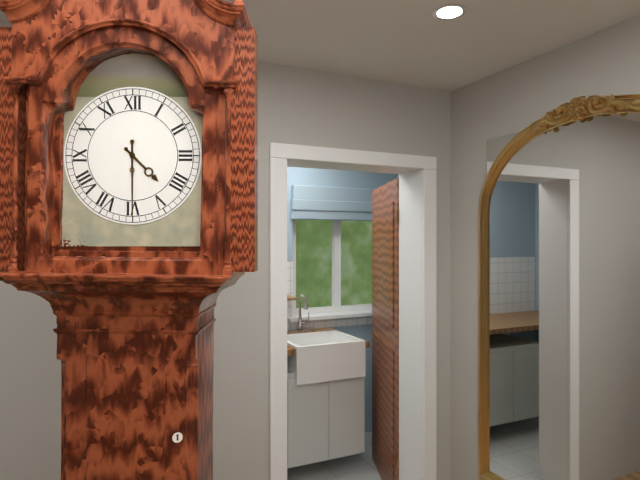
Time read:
4h30
